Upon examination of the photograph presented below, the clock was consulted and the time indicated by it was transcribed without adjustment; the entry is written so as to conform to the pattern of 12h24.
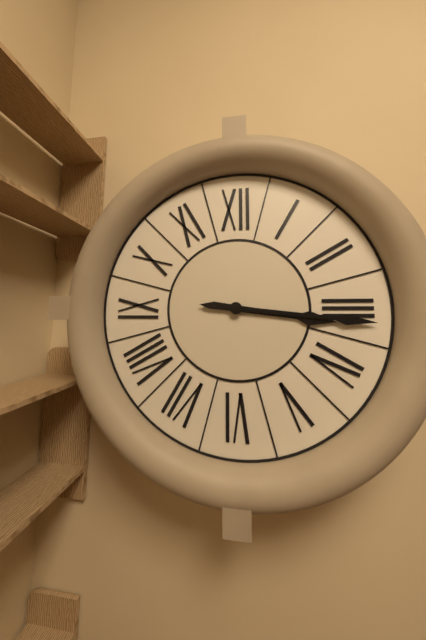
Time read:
3h16
